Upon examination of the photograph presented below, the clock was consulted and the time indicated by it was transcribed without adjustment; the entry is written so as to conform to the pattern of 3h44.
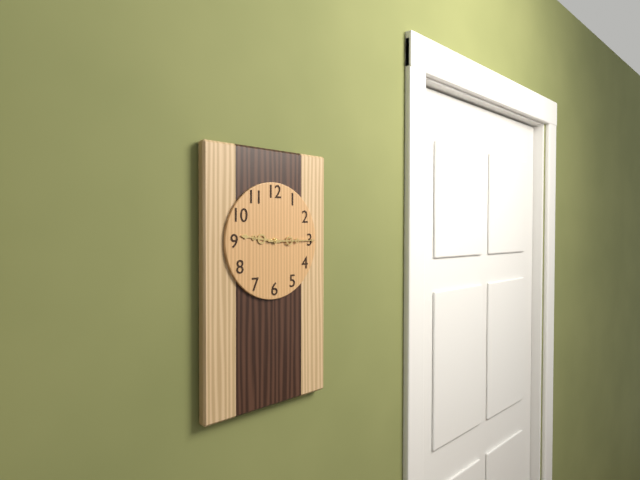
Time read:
9h15
